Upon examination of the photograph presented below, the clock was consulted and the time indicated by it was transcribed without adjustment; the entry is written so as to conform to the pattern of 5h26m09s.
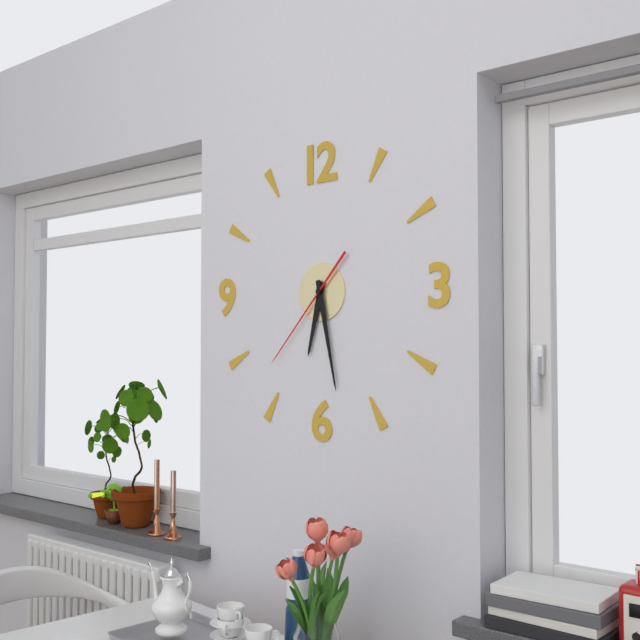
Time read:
6h28m37s
